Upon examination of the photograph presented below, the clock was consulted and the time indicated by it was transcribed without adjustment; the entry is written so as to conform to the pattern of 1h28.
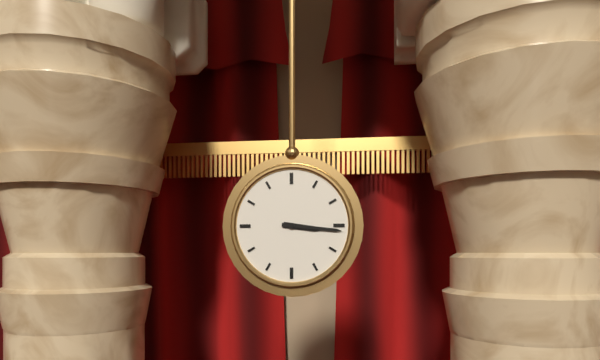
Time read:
3h16
